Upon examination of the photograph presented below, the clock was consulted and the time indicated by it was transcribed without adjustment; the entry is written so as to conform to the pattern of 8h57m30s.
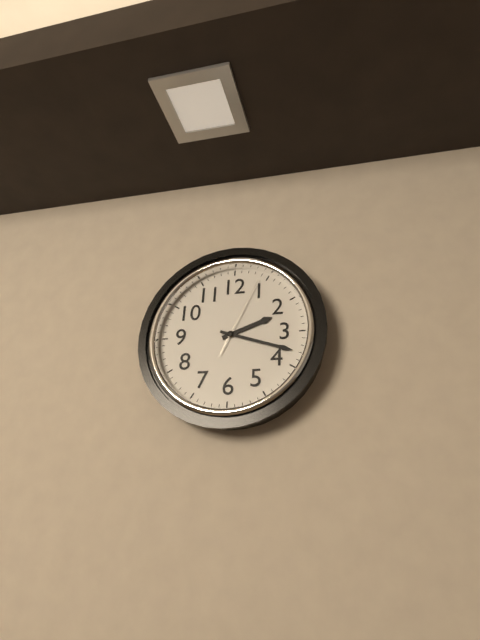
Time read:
2h18m04s
